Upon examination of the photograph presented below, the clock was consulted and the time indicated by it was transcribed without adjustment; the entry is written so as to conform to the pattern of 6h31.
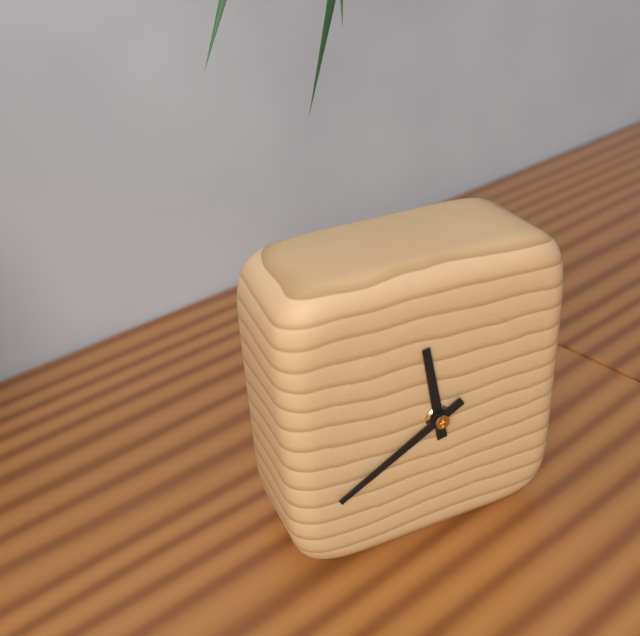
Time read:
11h40
